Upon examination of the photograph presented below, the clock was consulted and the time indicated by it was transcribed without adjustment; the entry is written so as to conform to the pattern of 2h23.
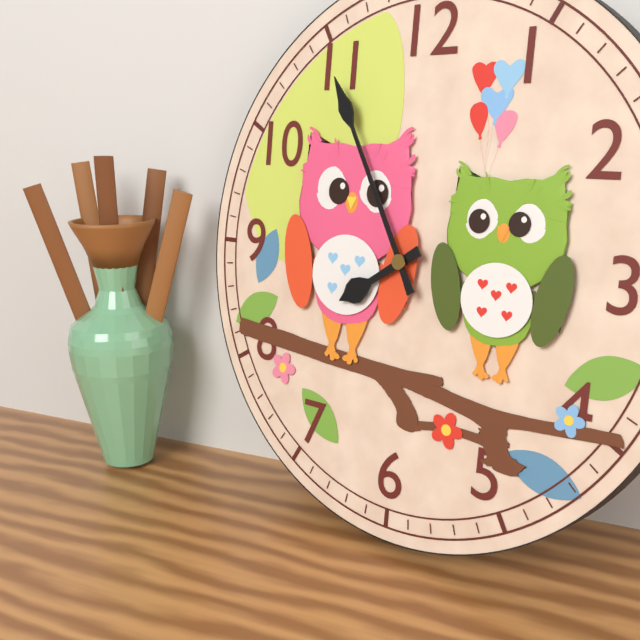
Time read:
7h55
